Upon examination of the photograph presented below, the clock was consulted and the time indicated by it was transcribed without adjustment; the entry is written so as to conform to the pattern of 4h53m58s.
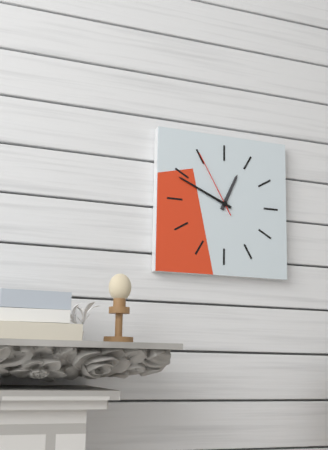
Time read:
12h49m55s
